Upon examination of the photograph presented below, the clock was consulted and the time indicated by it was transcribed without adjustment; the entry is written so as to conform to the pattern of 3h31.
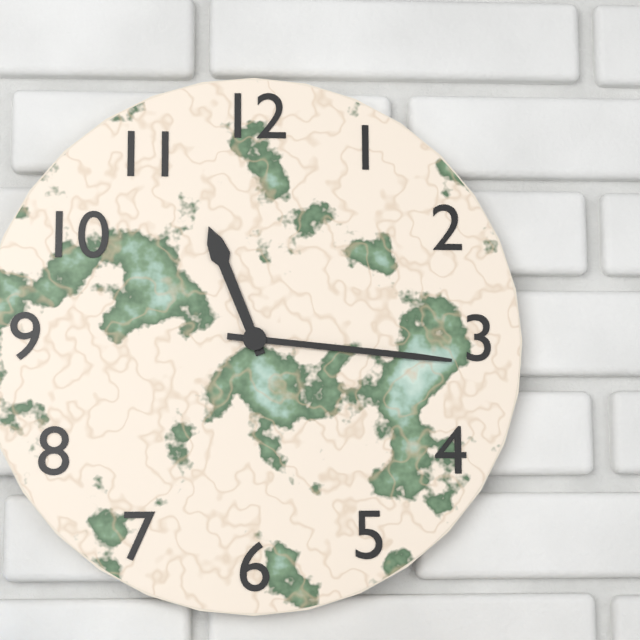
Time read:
11h16
